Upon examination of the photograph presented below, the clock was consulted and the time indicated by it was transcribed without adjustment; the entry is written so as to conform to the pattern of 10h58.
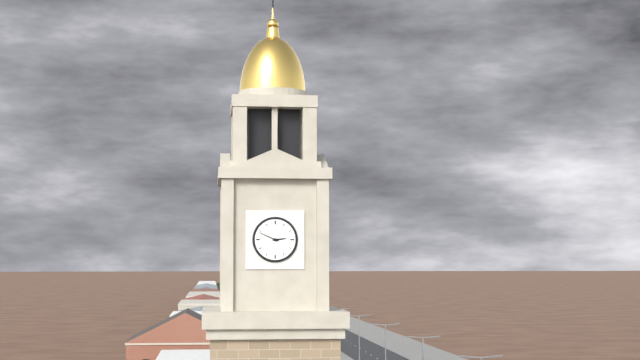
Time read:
2h49
